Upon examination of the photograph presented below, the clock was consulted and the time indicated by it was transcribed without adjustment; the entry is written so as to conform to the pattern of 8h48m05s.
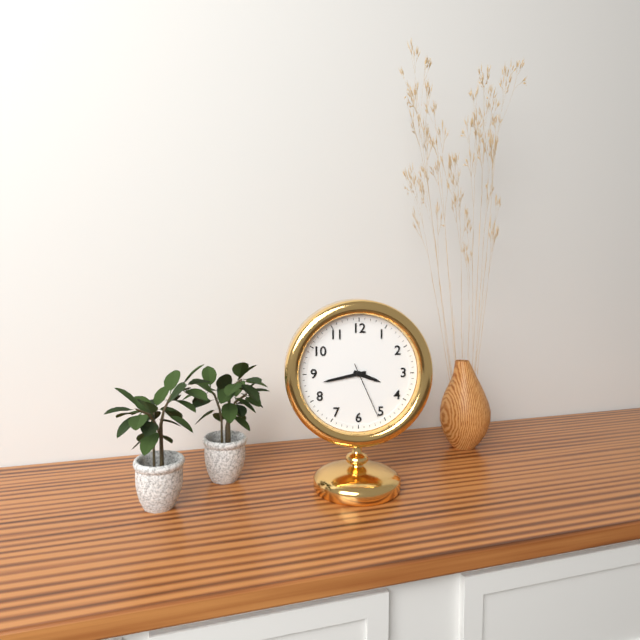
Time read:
3h43m26s
